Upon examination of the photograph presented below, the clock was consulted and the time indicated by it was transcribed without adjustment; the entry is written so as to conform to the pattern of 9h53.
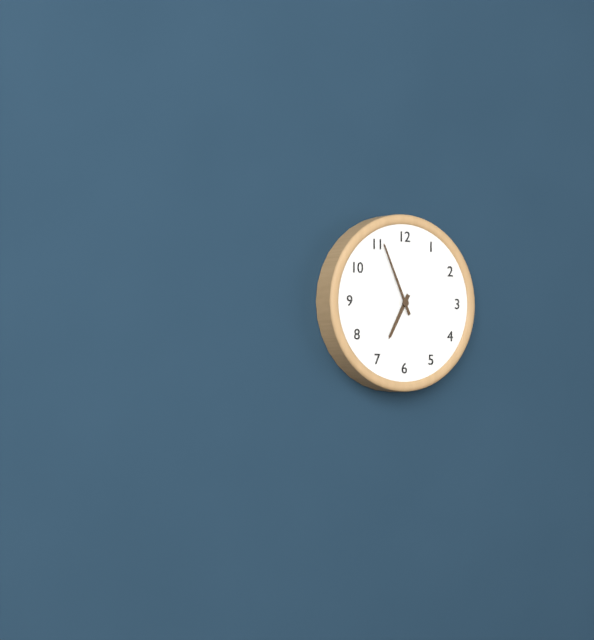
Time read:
6h56
